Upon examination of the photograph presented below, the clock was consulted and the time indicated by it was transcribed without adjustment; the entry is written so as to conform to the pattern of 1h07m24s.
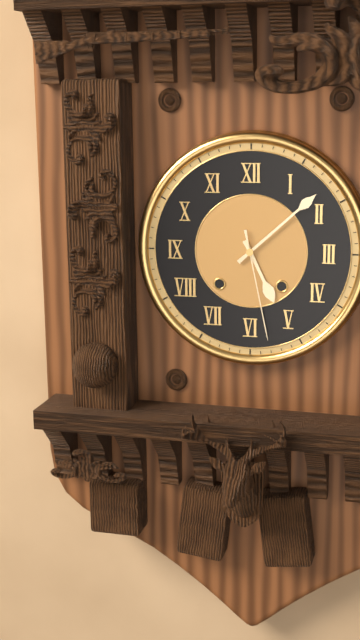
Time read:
5h08m28s
